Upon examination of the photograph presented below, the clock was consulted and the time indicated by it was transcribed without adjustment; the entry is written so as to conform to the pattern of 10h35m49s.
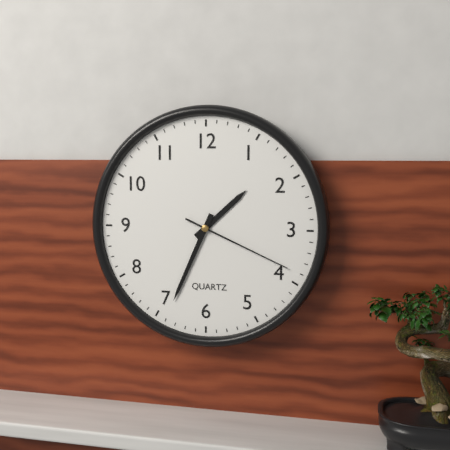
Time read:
1h34m19s
